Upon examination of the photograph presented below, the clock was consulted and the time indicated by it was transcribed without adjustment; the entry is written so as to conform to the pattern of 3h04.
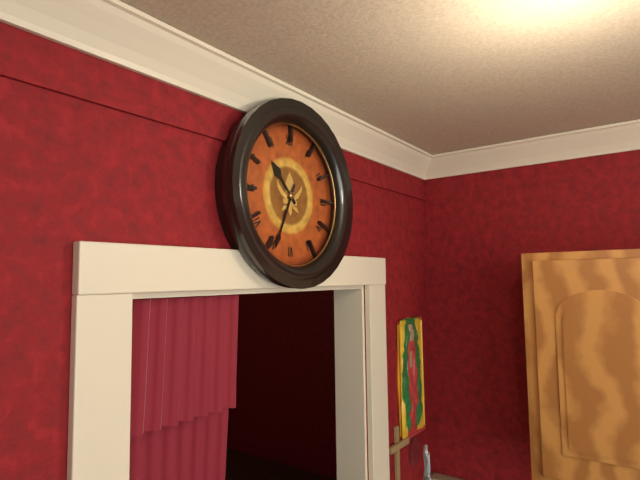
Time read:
10h34
